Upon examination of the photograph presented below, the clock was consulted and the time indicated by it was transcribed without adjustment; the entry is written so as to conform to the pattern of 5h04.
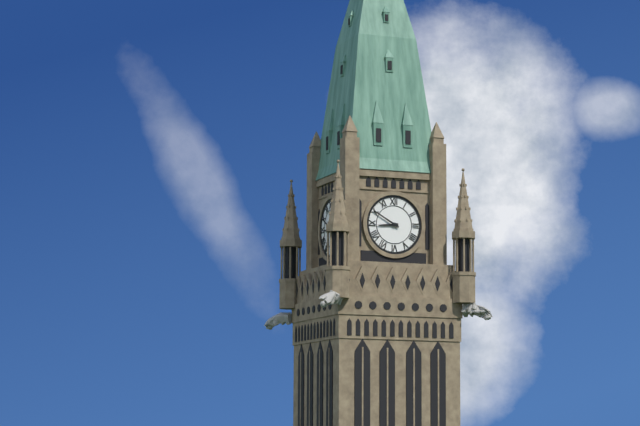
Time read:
8h50
